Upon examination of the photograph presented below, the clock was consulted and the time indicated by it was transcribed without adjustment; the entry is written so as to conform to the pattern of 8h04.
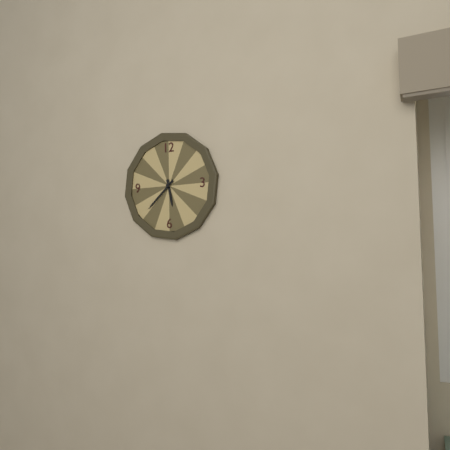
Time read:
5h38
